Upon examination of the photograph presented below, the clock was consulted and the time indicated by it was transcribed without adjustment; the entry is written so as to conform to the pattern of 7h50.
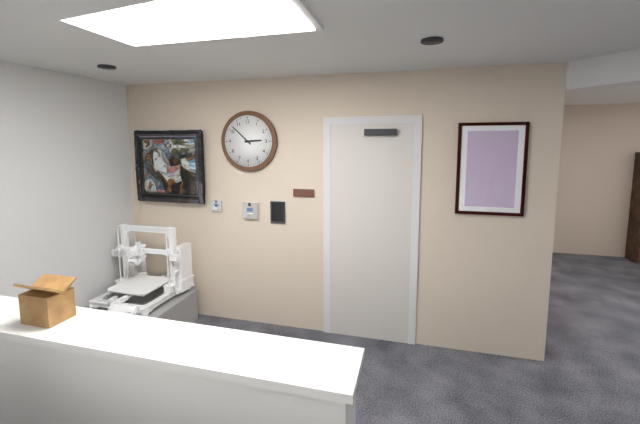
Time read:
2h52
